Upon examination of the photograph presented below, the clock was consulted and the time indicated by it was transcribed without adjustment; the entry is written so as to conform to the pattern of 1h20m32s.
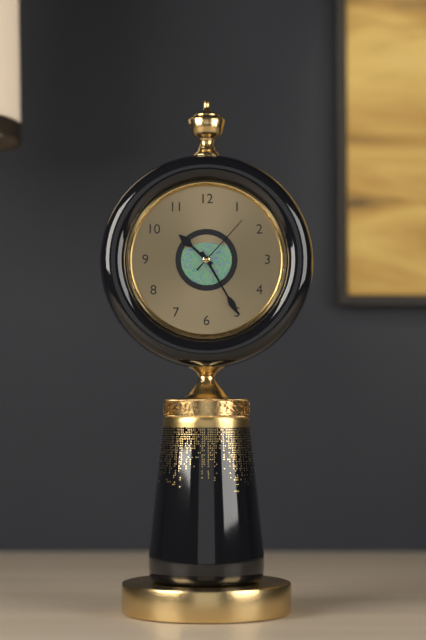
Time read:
10h25m07s
